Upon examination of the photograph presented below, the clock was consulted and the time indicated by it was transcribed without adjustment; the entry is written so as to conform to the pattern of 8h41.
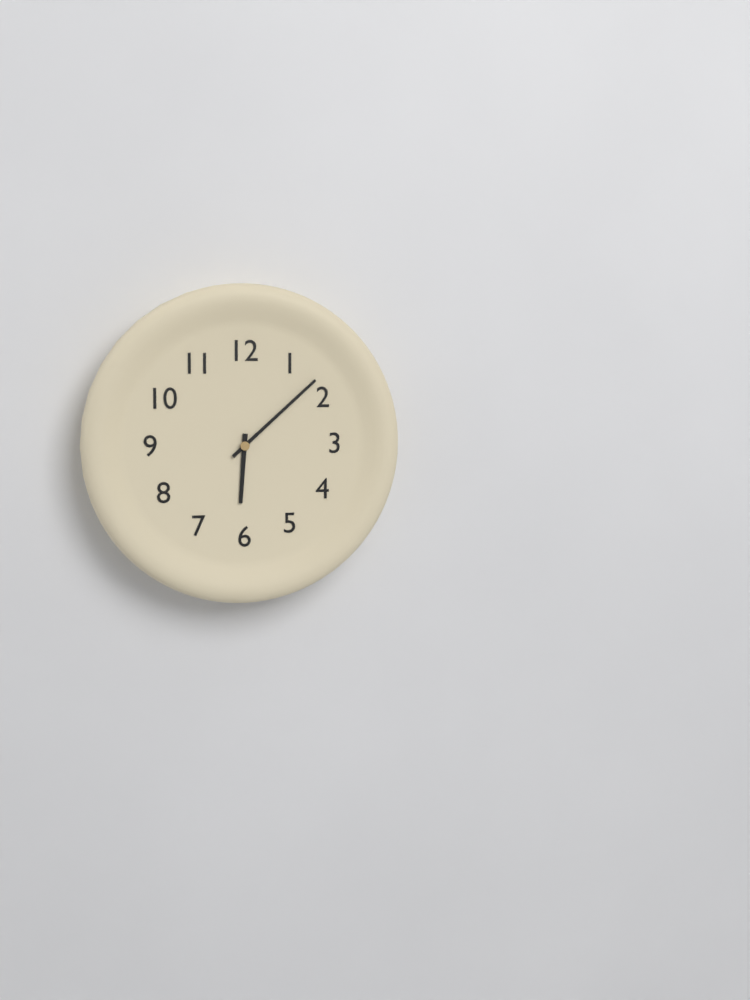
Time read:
6h08
